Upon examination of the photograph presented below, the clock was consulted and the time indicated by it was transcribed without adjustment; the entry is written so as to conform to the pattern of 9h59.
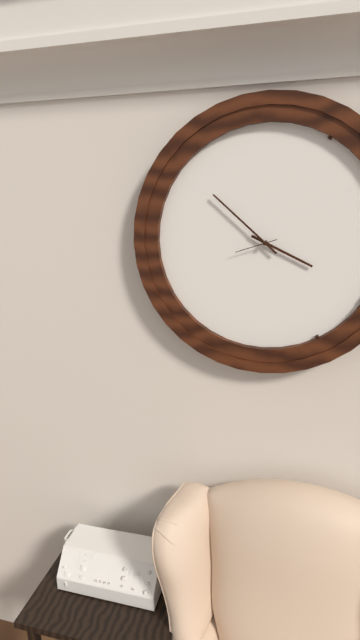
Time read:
3h52
